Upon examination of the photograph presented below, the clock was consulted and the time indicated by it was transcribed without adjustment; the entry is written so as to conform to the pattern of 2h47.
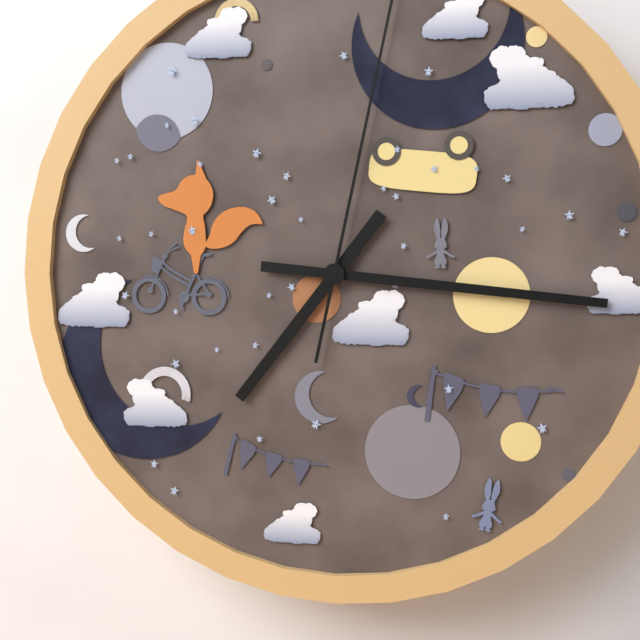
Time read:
7h16
